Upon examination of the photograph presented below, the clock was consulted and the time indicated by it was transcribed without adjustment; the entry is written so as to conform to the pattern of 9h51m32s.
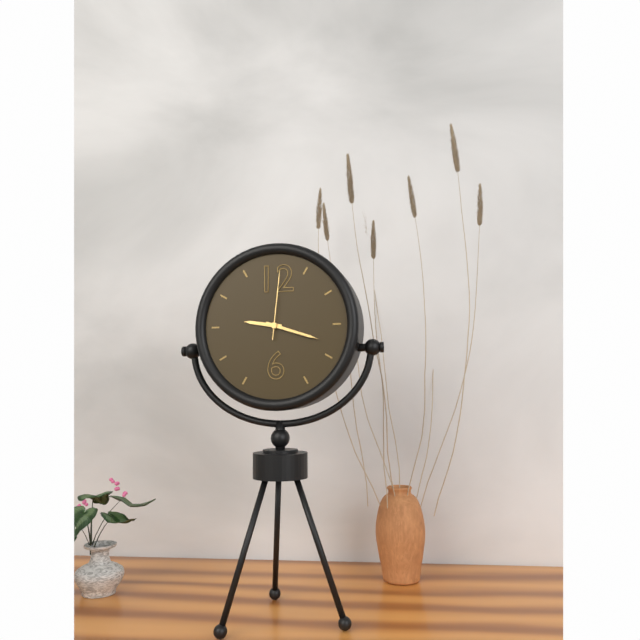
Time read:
9h18m01s
